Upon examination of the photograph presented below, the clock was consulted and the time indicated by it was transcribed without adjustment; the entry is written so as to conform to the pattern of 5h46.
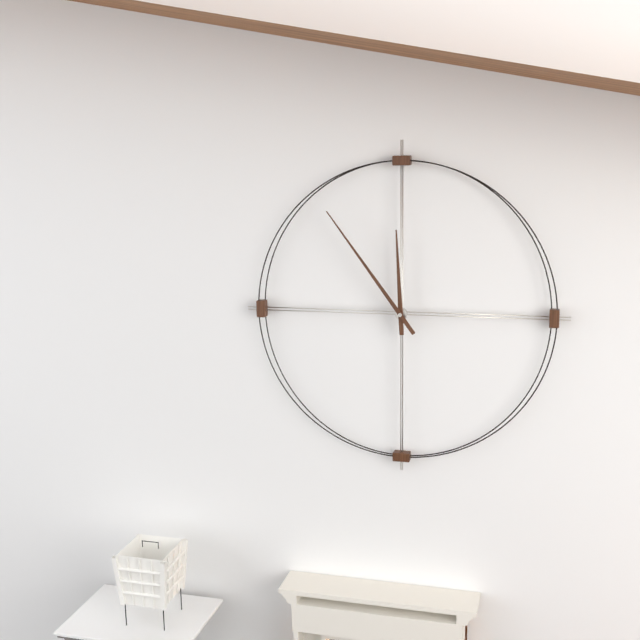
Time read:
11h54
